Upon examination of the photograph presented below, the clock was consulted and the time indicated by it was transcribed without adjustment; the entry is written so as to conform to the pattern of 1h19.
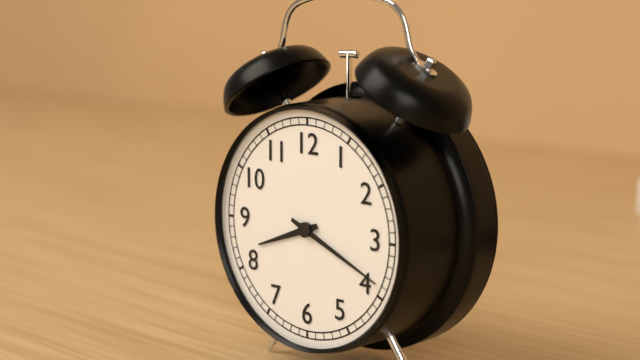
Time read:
8h19
